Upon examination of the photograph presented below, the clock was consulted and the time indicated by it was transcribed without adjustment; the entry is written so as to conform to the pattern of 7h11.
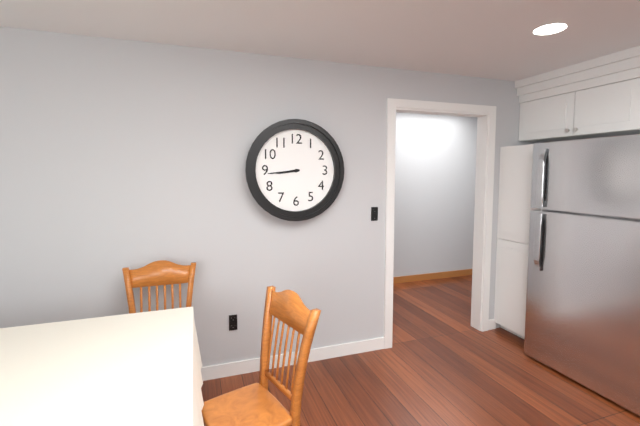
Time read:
8h44
